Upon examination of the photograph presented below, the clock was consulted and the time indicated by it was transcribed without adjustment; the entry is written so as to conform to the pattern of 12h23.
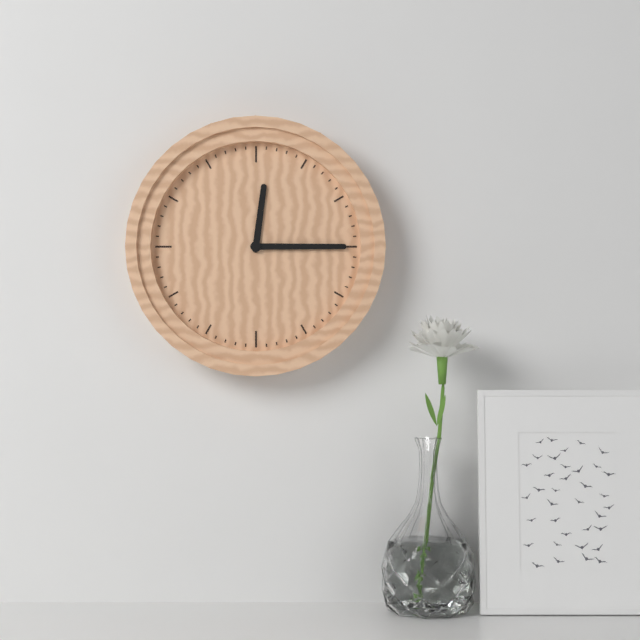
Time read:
12h15
